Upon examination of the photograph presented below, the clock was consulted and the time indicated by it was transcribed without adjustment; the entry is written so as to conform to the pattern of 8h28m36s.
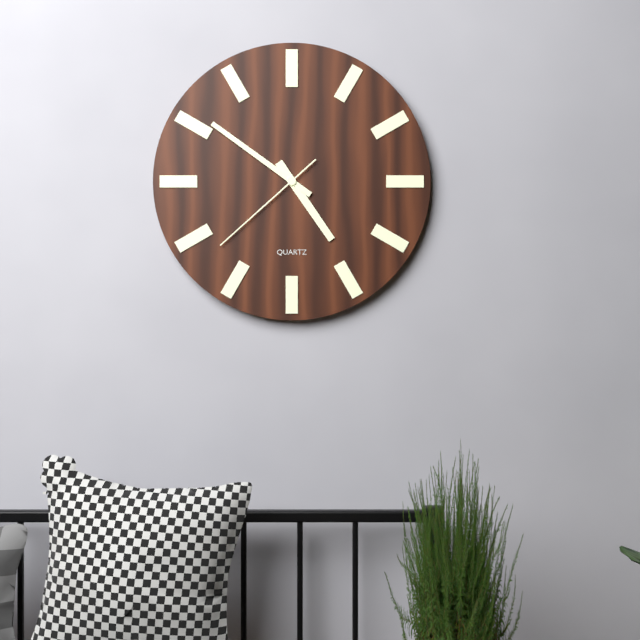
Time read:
4h51m38s
